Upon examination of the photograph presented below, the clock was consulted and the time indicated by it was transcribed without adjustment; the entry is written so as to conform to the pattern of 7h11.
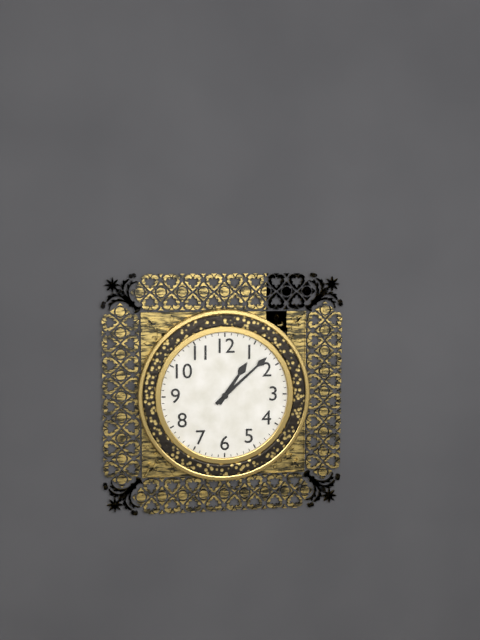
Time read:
1h08
